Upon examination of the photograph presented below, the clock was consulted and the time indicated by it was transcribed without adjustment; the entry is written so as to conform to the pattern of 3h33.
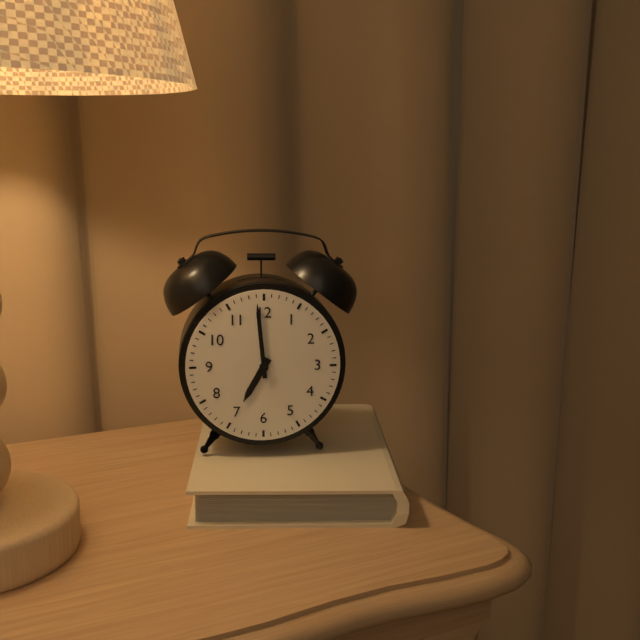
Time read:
6h59
